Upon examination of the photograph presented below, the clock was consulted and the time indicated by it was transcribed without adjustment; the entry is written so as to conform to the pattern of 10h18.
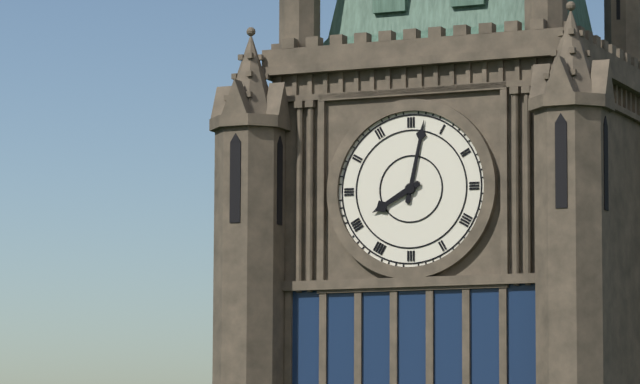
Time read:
8h02
